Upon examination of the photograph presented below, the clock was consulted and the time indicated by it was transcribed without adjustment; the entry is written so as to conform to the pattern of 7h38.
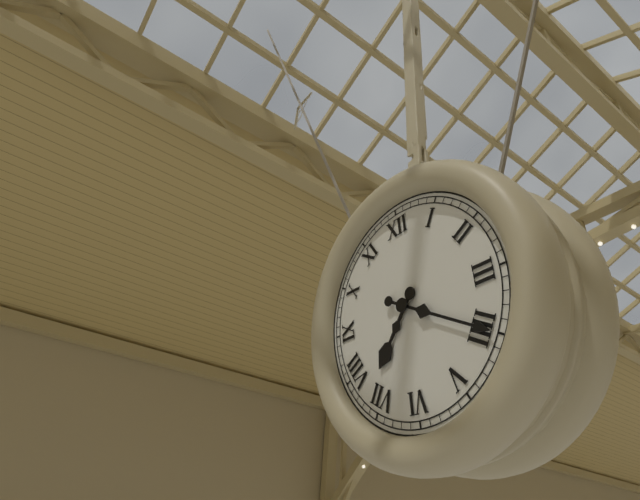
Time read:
7h20
